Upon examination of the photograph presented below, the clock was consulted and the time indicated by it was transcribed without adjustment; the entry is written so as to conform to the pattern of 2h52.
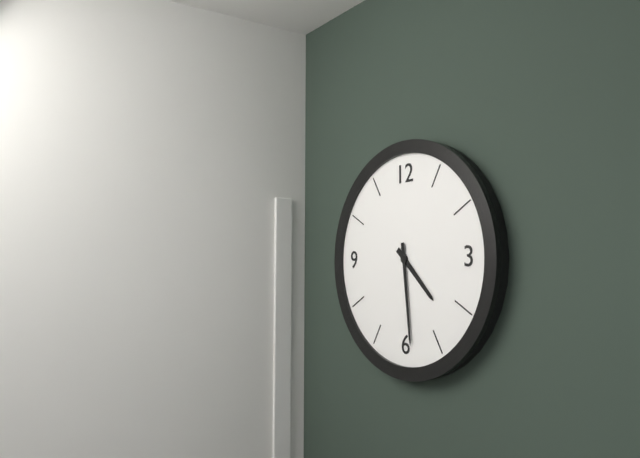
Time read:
4h29
